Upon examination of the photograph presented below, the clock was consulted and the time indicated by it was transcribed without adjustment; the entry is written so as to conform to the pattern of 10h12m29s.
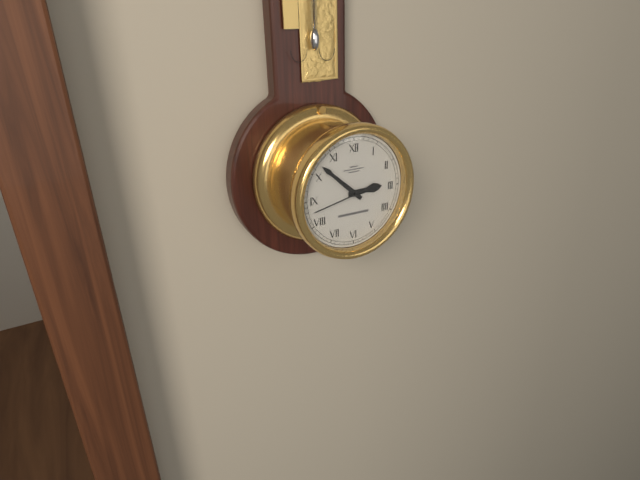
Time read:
2h52m43s
